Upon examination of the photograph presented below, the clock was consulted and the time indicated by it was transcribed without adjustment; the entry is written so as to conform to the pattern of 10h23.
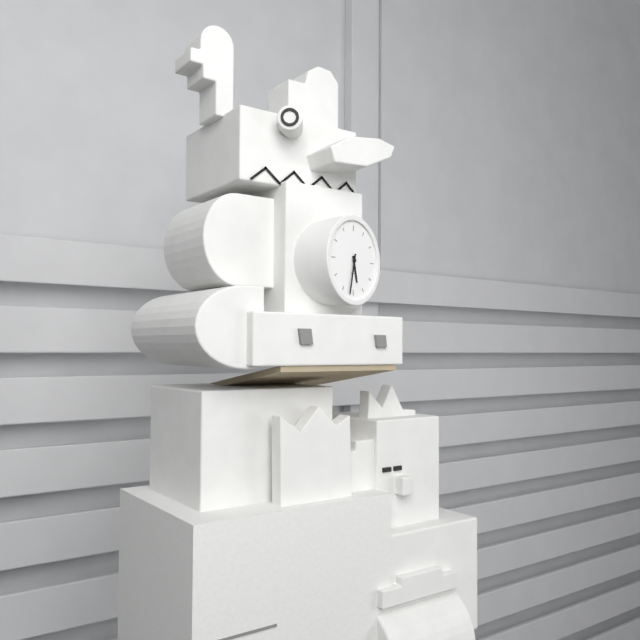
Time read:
5h32
